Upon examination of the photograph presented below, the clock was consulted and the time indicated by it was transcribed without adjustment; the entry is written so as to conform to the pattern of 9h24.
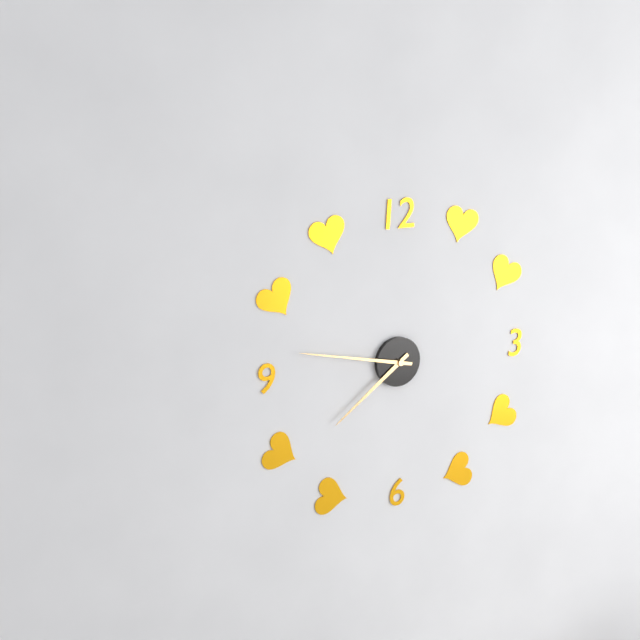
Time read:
7h47
